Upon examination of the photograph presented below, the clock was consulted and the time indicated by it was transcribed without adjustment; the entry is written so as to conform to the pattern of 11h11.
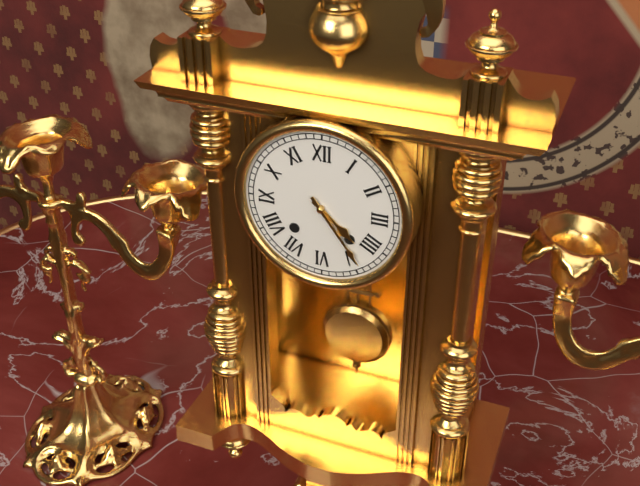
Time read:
4h24
